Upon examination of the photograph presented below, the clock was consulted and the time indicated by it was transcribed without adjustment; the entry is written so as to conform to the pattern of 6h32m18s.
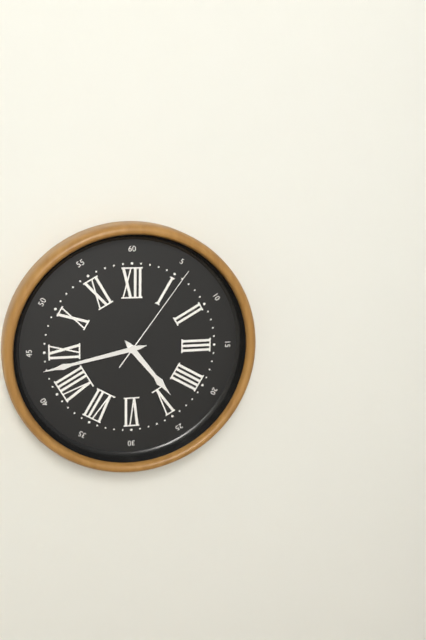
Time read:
4h43m06s
